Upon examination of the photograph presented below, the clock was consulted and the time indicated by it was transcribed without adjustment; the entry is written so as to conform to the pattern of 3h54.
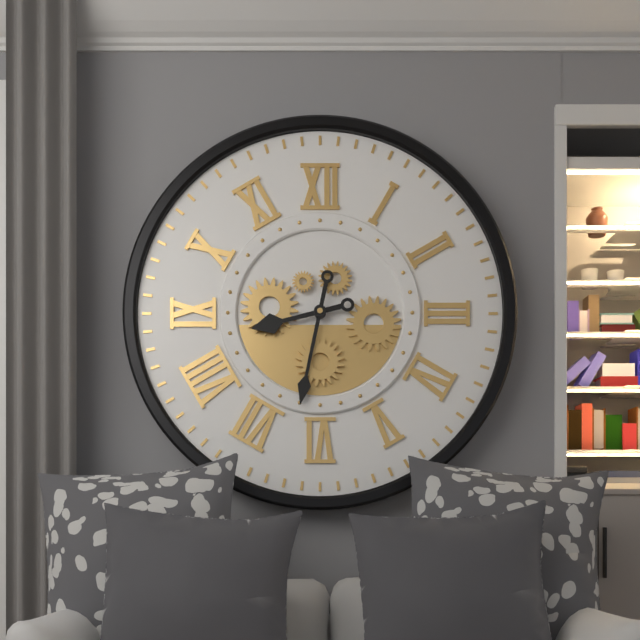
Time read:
8h32
